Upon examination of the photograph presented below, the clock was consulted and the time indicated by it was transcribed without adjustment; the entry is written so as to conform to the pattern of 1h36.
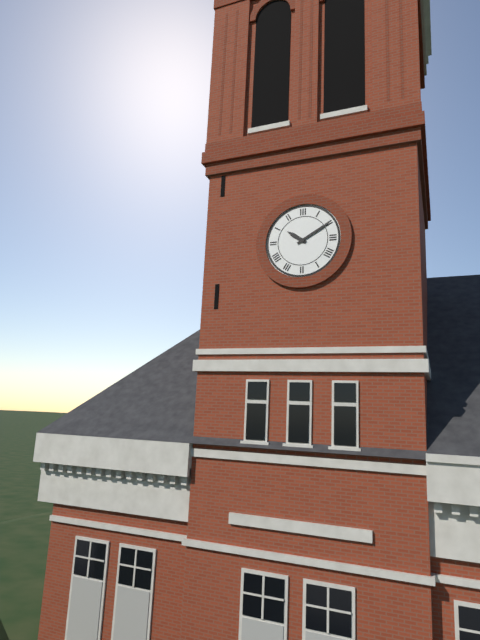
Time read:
10h10
